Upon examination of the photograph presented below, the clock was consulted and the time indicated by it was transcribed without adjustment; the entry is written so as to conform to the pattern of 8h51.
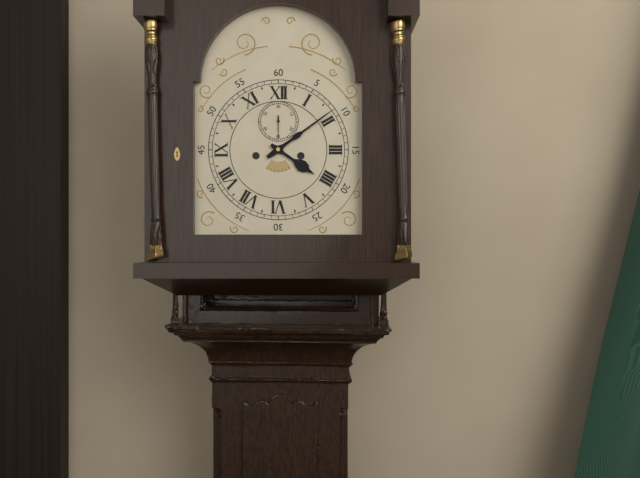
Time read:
4h09
